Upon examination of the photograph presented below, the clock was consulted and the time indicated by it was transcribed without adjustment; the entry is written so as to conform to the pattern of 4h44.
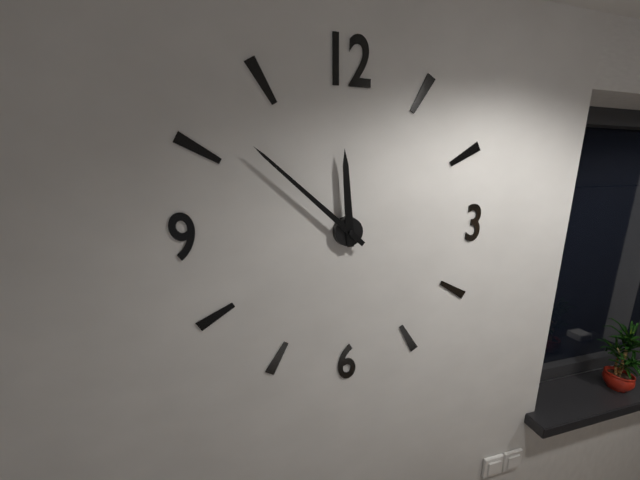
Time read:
11h52
